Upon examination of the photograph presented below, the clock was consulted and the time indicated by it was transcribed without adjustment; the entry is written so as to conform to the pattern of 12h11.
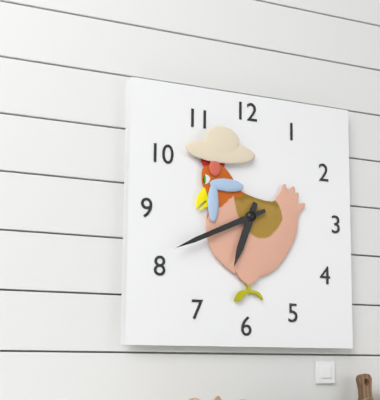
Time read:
6h41
